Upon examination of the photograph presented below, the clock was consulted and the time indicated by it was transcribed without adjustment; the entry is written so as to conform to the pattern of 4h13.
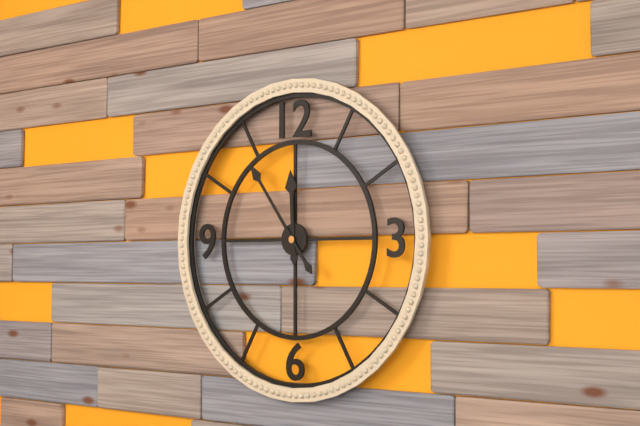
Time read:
11h54
